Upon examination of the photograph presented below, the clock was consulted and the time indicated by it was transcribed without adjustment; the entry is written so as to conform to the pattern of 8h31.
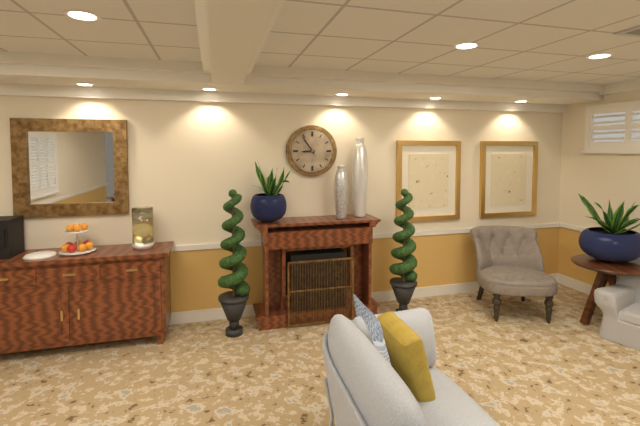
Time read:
8h54
